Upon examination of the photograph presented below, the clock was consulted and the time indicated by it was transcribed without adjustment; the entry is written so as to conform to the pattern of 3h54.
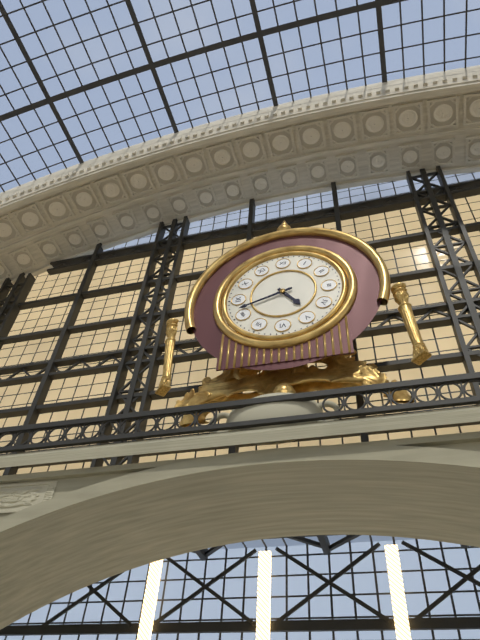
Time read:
4h42
